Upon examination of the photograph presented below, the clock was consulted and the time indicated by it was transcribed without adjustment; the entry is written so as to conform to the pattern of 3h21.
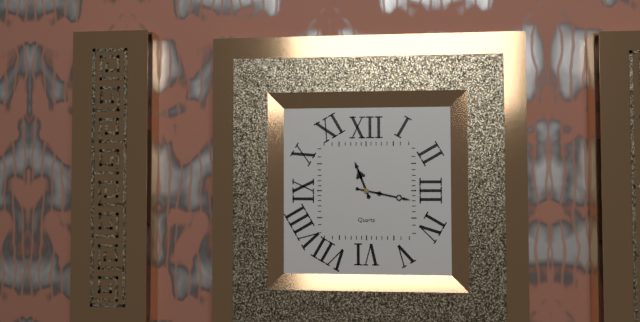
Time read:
11h17
